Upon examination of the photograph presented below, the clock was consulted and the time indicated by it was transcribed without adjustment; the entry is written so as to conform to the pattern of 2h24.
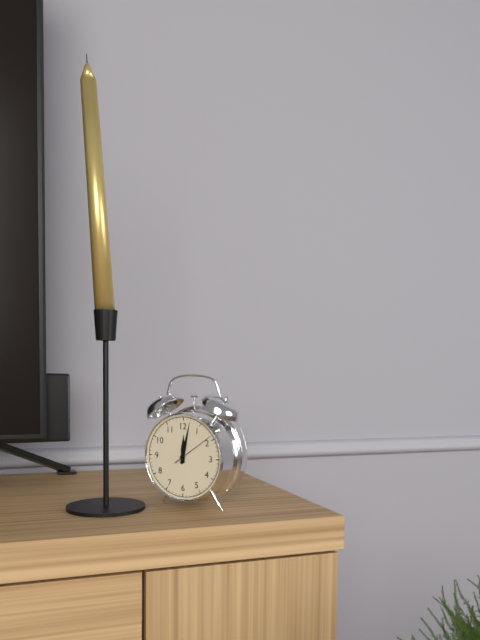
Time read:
12h02
